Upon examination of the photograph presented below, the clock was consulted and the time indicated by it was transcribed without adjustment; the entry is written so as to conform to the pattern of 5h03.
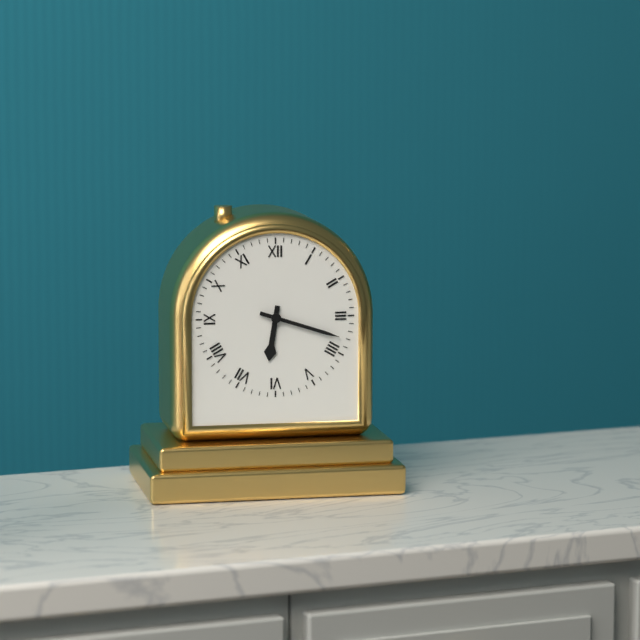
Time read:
6h18
